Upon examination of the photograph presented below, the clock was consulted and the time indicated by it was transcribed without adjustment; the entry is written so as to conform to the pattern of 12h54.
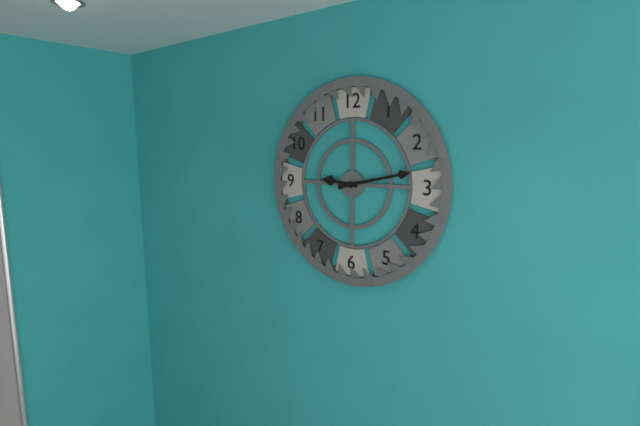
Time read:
9h13
